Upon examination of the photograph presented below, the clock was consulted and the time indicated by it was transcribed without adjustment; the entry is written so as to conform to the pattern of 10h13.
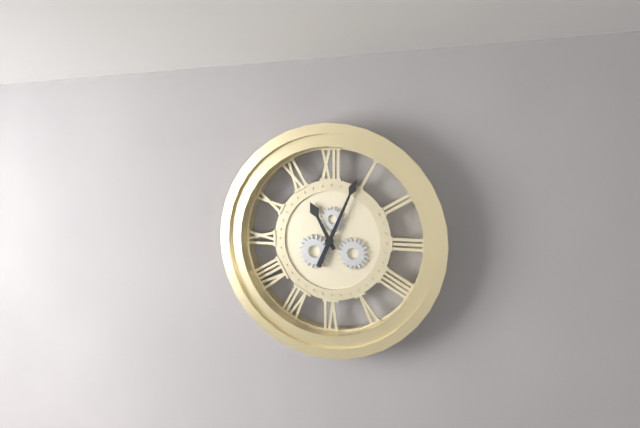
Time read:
11h04
